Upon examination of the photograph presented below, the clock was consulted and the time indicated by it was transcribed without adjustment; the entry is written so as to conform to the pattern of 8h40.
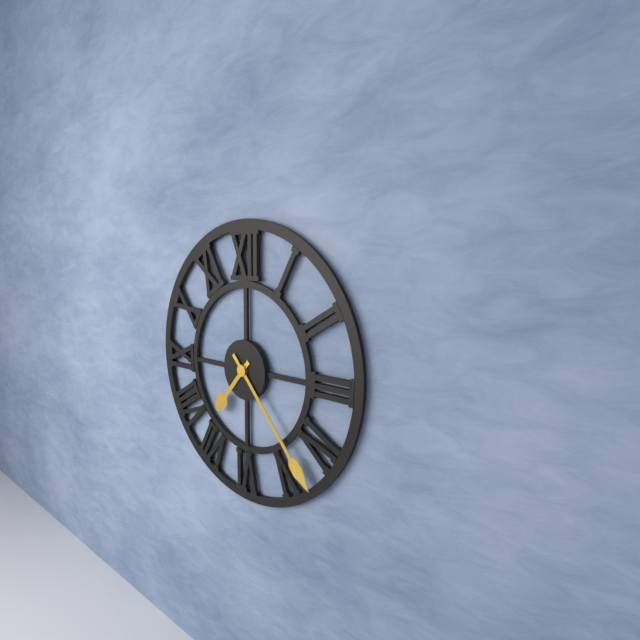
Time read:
7h23
